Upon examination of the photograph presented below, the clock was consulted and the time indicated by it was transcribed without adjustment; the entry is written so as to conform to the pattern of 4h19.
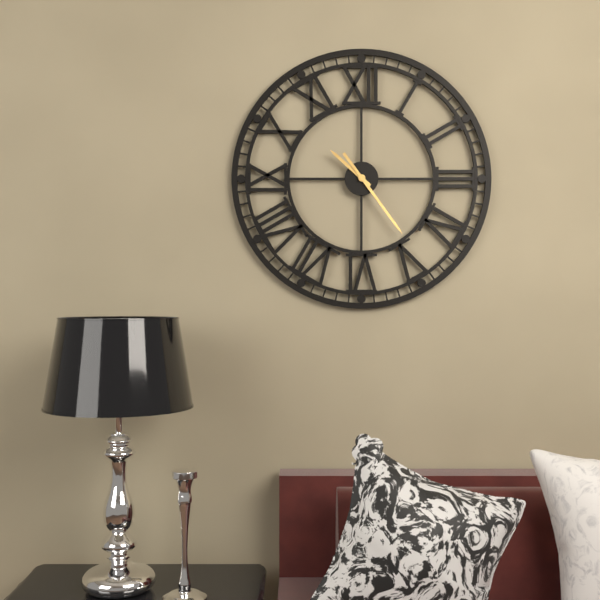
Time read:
10h24
